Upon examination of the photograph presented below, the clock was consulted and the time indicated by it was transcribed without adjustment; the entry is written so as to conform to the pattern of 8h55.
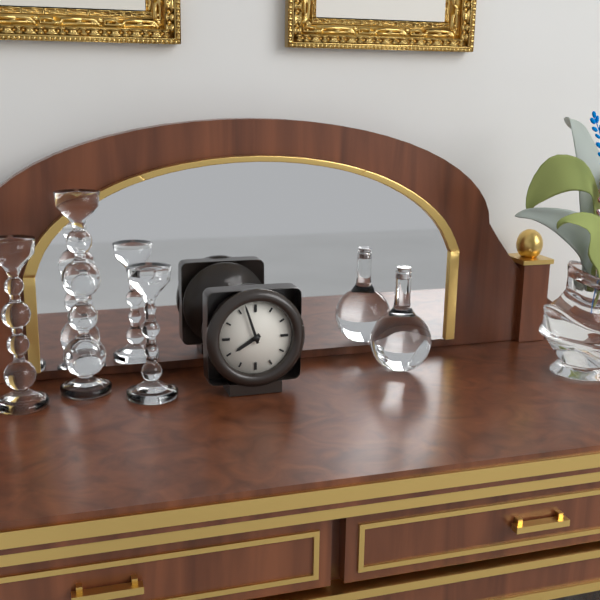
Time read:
7h57
